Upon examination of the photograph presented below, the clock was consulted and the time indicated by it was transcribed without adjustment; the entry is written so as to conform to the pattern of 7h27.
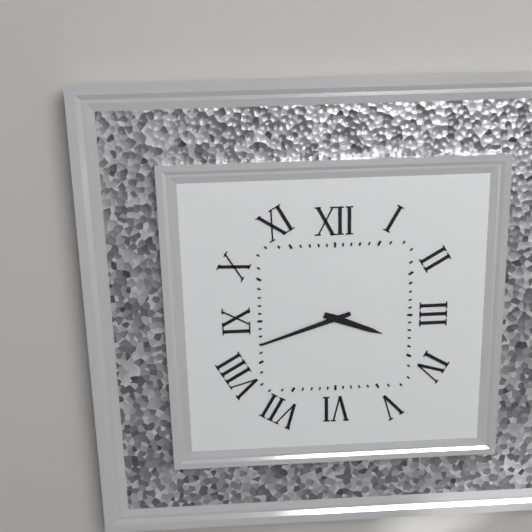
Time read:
3h42
